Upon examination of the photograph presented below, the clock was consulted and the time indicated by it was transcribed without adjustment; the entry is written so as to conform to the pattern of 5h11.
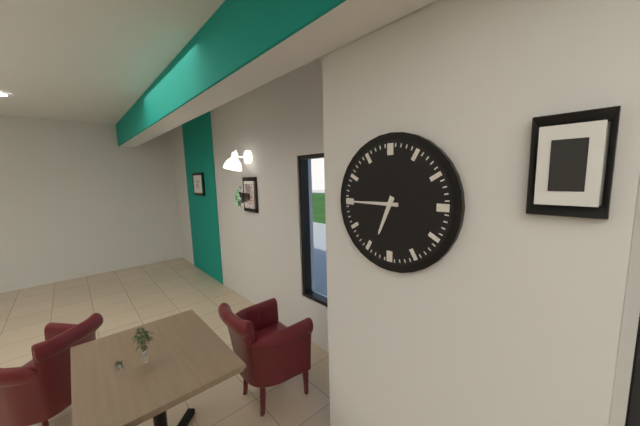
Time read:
6h45
